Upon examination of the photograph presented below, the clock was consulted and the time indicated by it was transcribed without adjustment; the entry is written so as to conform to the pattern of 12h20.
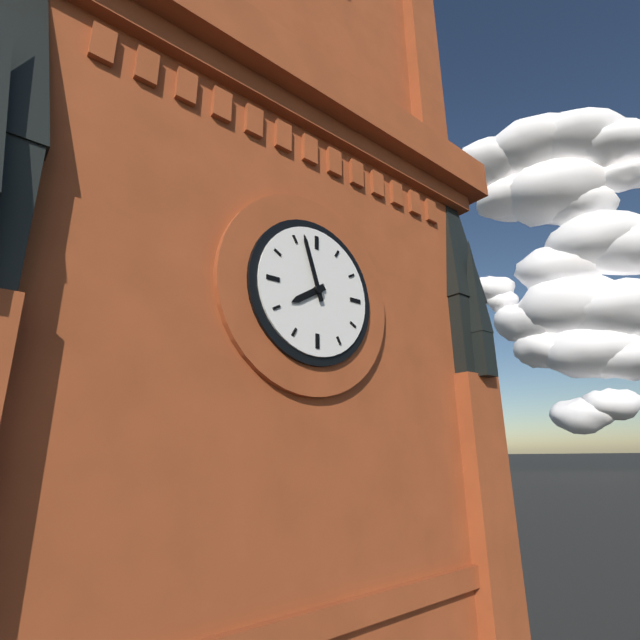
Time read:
7h57
